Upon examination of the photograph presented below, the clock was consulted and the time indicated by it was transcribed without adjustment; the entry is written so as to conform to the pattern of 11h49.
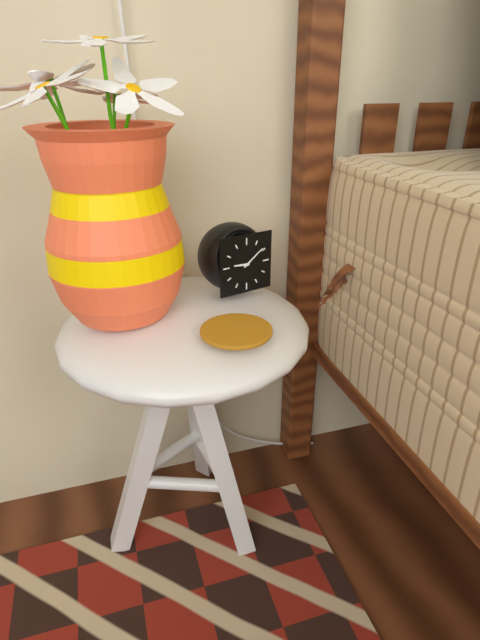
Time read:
9h09
